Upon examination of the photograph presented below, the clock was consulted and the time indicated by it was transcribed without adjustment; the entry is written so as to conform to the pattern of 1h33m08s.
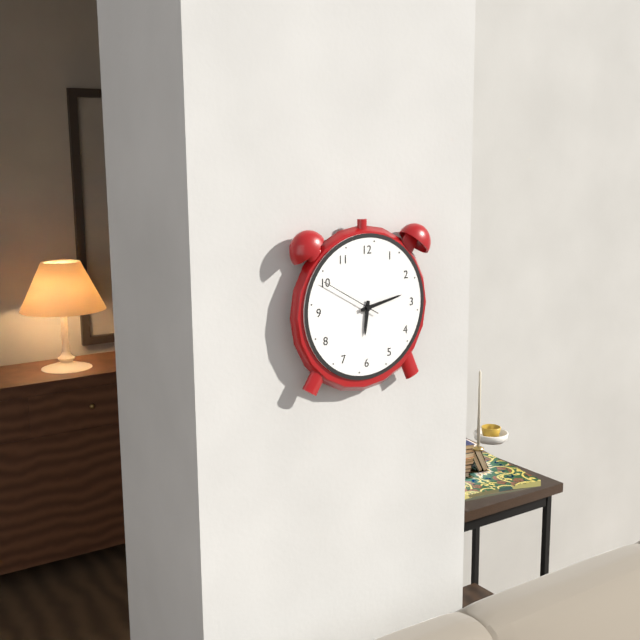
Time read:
6h13m50s
